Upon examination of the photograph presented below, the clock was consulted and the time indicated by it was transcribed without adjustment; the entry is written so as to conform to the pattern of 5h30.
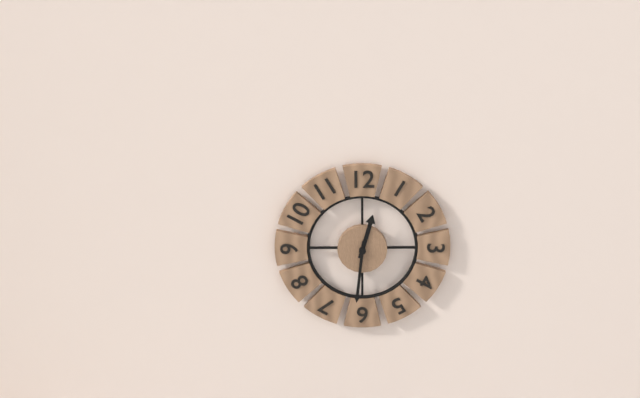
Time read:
12h31
